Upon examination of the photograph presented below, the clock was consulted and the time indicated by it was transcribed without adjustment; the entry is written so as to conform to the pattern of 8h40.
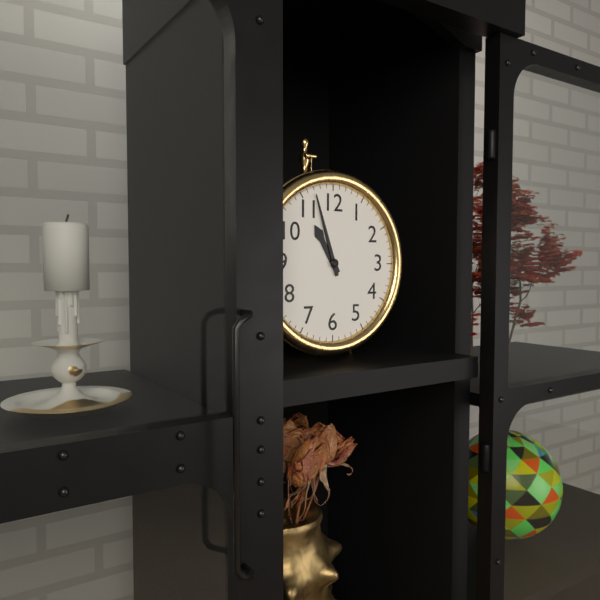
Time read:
10h57
